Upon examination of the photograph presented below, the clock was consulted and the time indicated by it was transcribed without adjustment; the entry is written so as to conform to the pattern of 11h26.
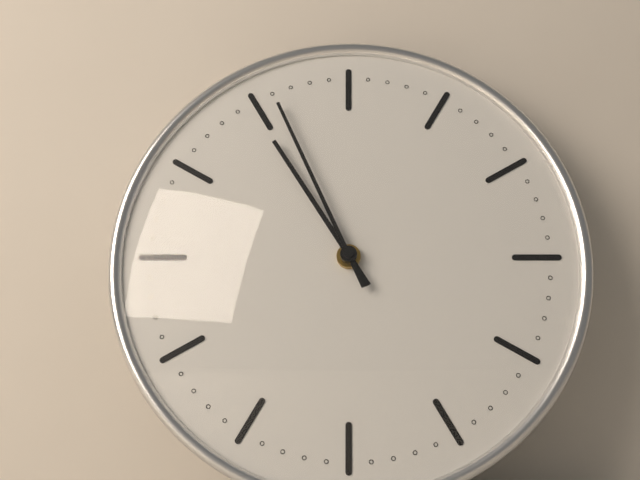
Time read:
10h56
